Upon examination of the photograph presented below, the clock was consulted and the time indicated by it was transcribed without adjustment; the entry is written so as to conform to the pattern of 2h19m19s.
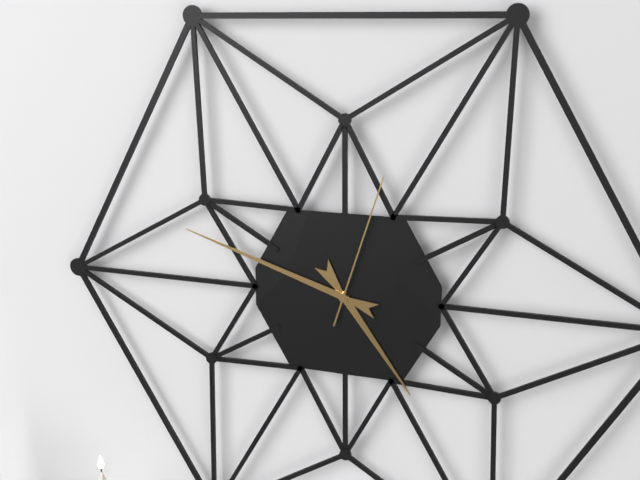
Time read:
4h48m03s
